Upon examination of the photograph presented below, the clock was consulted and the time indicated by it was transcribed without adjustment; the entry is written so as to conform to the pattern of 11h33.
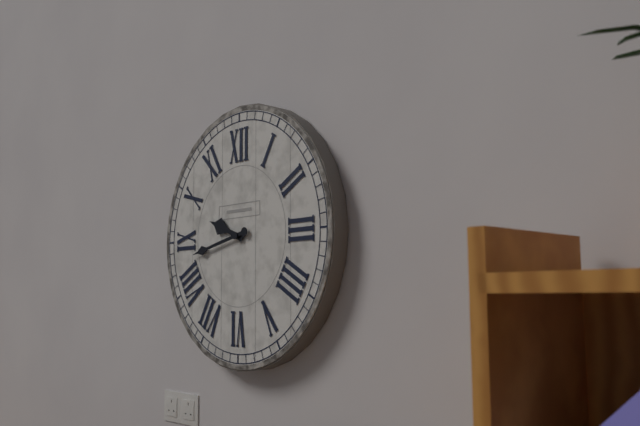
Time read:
9h43
